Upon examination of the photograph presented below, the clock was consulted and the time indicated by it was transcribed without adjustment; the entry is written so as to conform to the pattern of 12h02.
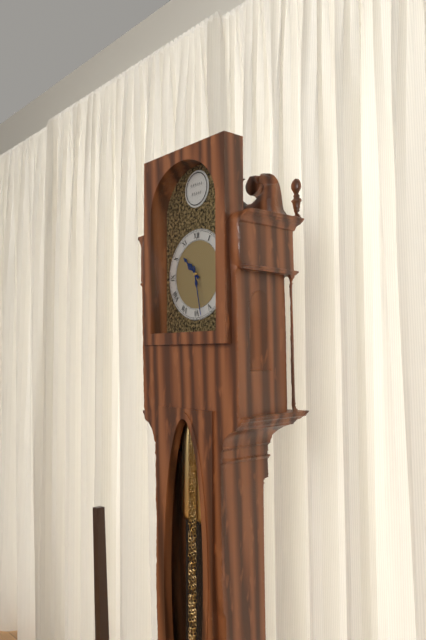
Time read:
10h28
